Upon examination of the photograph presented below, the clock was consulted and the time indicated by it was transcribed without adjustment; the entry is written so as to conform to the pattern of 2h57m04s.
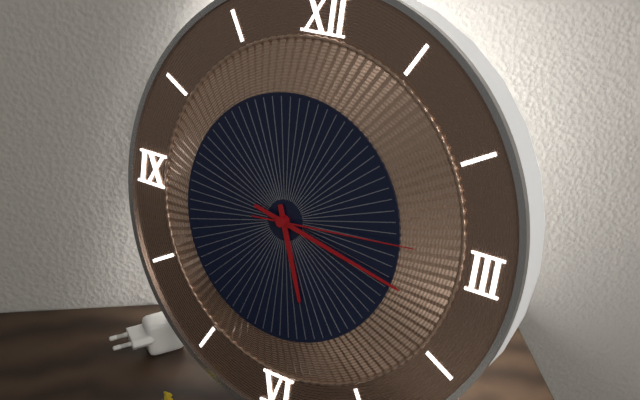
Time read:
5h17m14s
